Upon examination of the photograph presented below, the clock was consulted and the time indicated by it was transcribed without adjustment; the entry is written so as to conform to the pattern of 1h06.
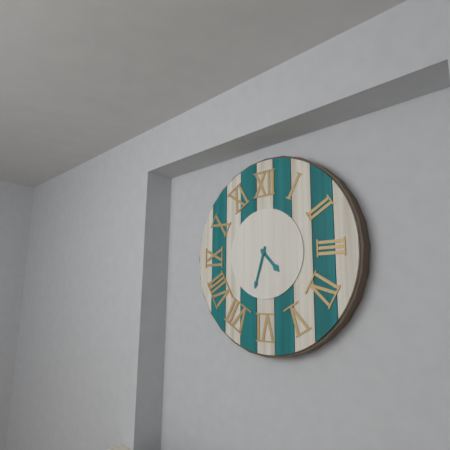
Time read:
4h33
